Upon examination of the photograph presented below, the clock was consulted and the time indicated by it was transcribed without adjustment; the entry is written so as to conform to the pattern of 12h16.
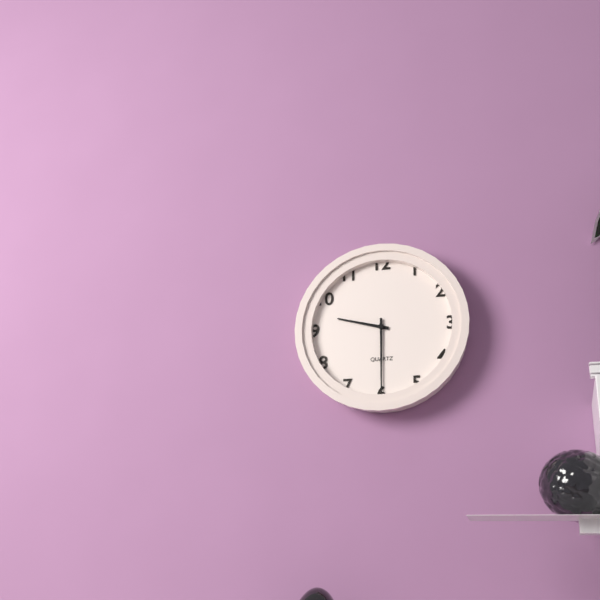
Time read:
9h30
